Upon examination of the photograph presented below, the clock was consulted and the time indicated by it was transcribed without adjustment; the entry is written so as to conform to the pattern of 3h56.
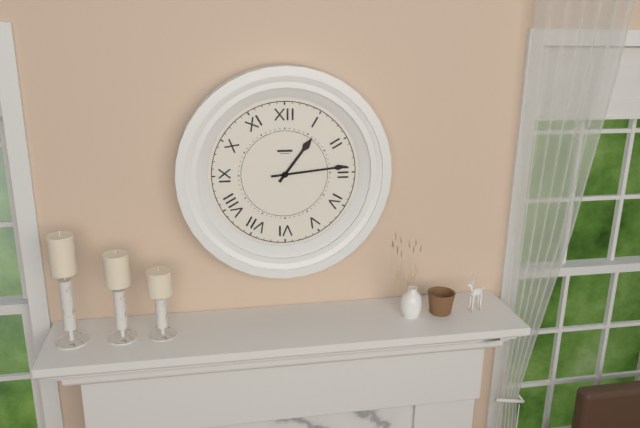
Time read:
1h14
